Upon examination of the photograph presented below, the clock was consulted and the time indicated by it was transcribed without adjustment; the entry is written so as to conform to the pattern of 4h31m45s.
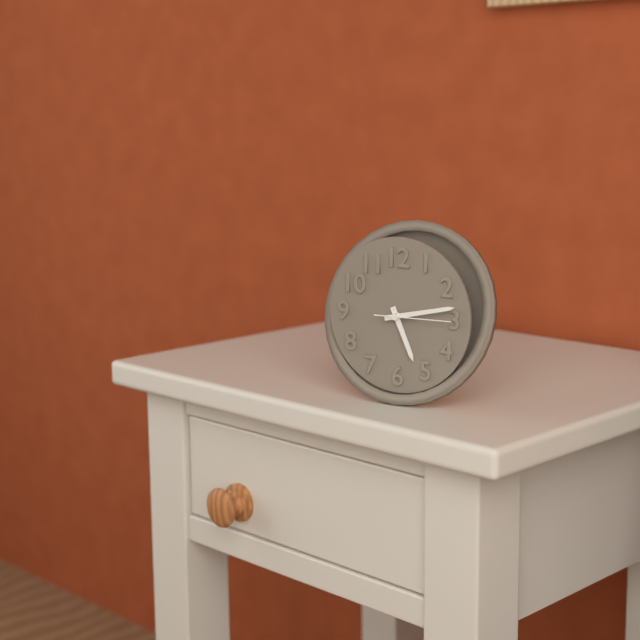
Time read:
5h13m15s
